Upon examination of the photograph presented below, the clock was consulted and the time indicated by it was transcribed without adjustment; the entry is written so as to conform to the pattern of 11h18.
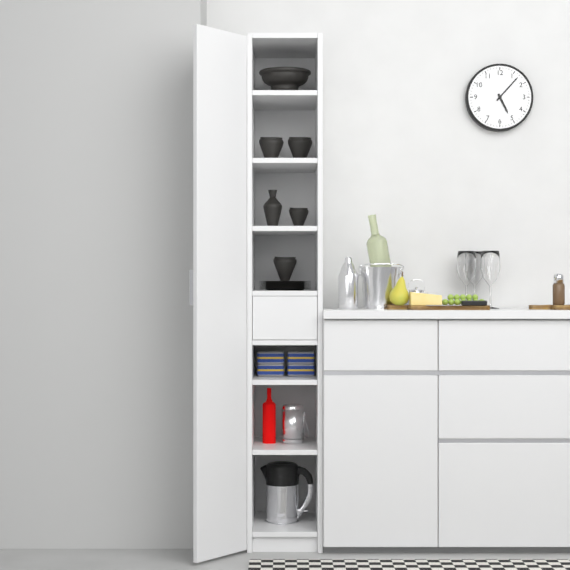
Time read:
5h07
